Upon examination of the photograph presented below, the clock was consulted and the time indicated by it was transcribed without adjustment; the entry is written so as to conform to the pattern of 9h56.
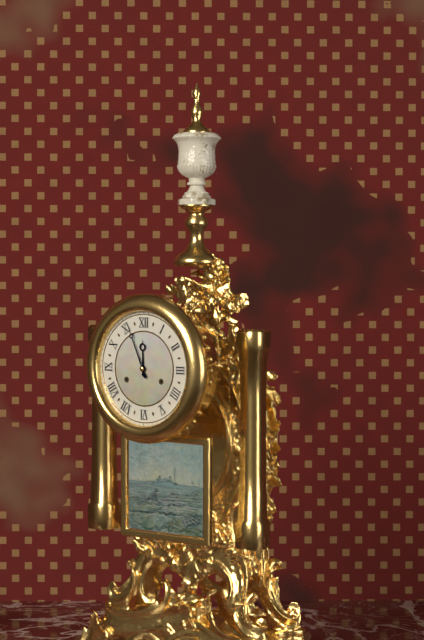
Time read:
11h56
